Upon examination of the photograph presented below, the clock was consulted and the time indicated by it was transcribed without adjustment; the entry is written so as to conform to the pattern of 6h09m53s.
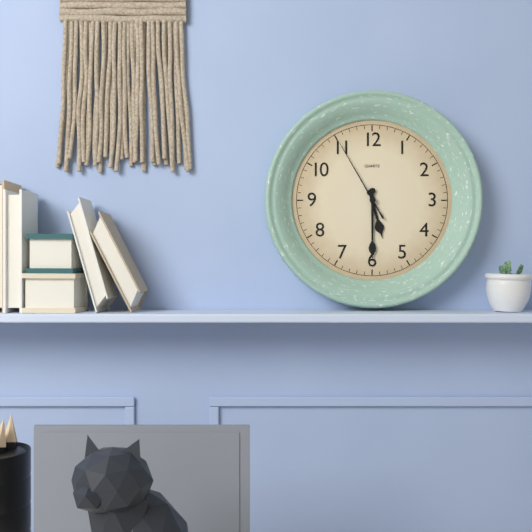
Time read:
5h30m55s
